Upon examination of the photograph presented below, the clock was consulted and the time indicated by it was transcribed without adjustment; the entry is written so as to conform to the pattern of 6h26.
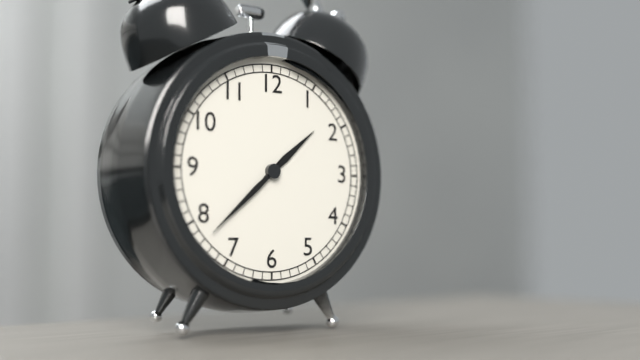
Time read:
1h38
